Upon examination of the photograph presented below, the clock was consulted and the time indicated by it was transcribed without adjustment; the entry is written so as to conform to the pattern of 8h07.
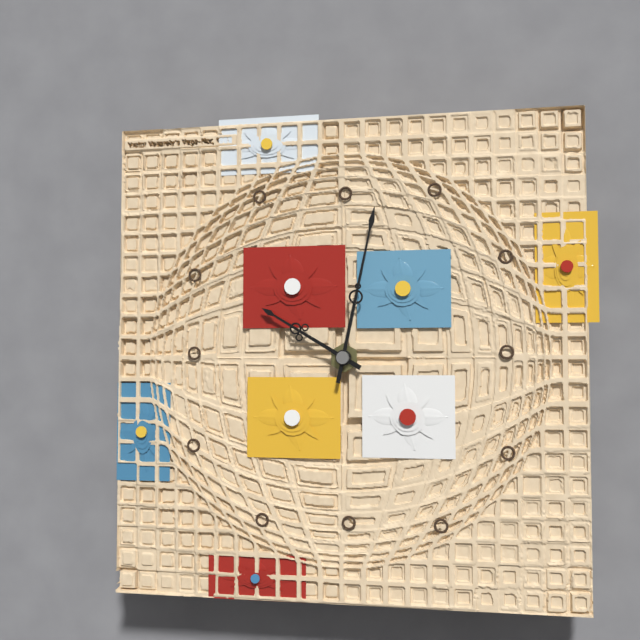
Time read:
10h02
